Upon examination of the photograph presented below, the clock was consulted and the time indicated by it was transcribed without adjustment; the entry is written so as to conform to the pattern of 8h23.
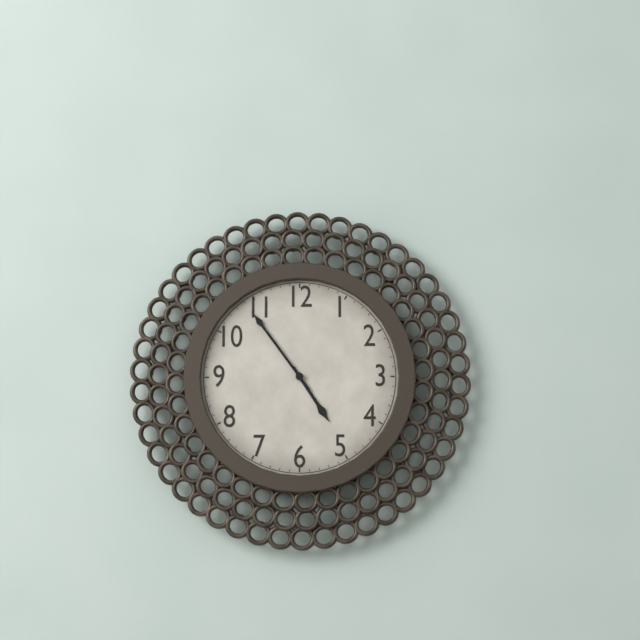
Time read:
4h54
